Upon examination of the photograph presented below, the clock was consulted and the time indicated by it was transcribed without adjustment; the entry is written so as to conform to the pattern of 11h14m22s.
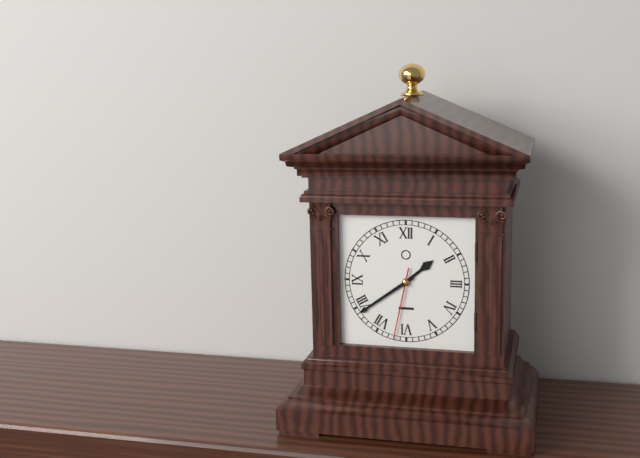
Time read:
1h39m32s
